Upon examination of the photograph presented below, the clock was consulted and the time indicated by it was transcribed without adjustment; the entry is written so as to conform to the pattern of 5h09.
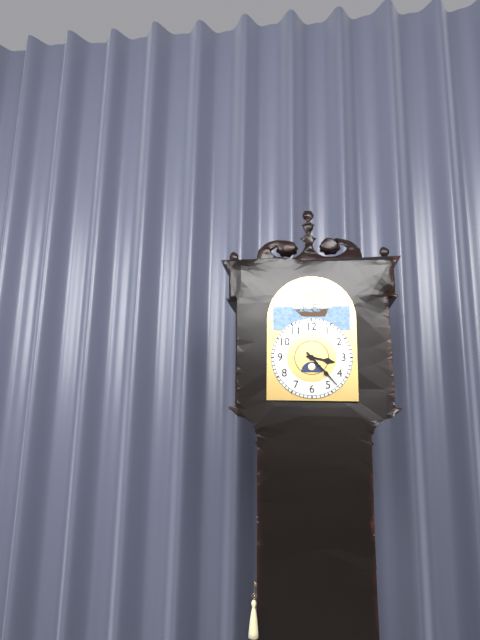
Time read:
3h23
